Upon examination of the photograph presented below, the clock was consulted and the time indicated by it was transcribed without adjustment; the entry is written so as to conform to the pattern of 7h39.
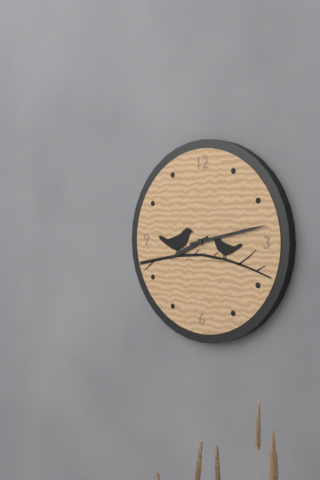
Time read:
8h13
